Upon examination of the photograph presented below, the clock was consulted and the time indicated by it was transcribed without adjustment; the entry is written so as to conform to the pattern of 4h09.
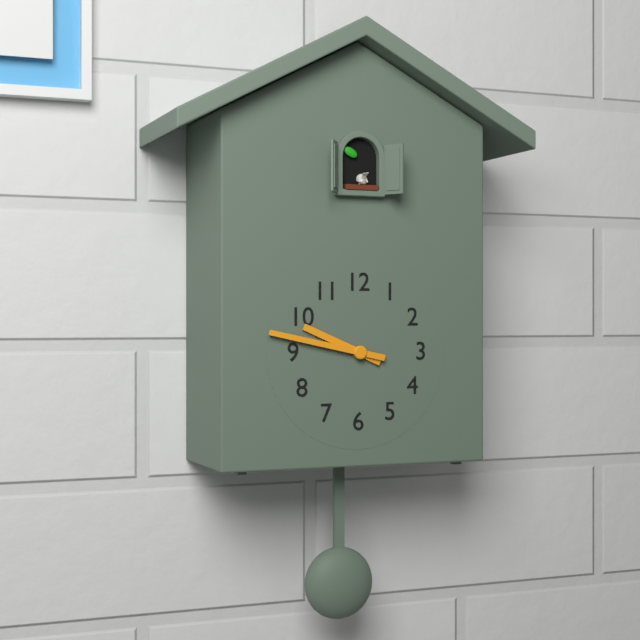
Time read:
9h47
